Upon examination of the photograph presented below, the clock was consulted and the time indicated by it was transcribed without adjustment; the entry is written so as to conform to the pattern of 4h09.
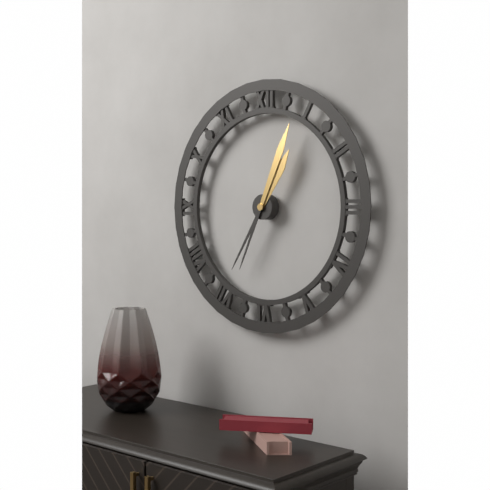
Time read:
1h04
